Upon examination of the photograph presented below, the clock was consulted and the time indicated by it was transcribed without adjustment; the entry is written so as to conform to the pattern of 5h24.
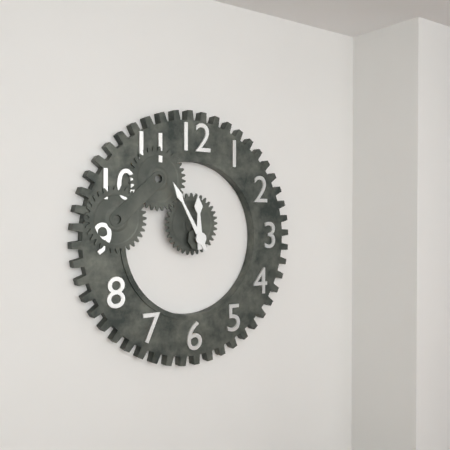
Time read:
11h55
